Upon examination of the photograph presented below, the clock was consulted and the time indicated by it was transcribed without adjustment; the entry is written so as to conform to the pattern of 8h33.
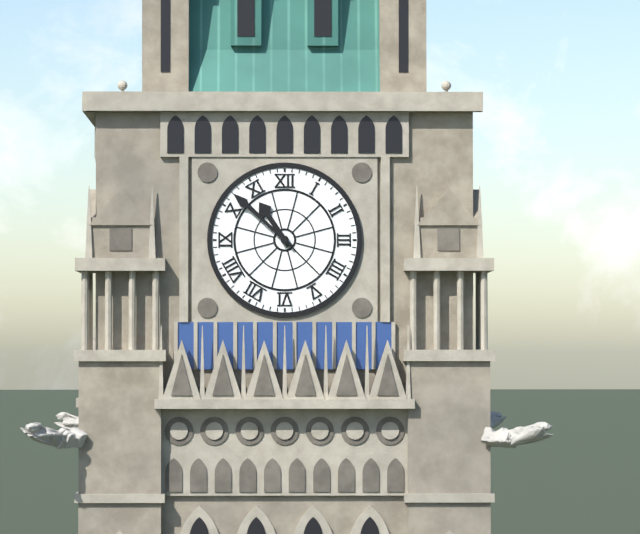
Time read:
10h52
